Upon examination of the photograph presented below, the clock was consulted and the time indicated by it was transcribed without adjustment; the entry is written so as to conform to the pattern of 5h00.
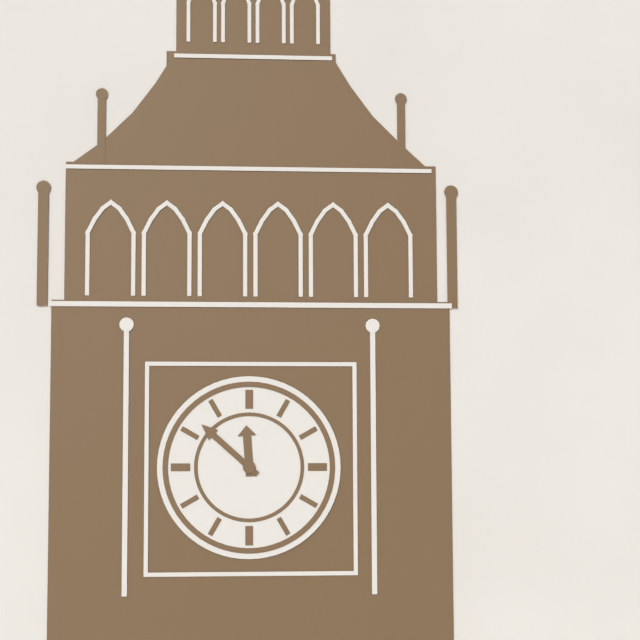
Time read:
11h52
